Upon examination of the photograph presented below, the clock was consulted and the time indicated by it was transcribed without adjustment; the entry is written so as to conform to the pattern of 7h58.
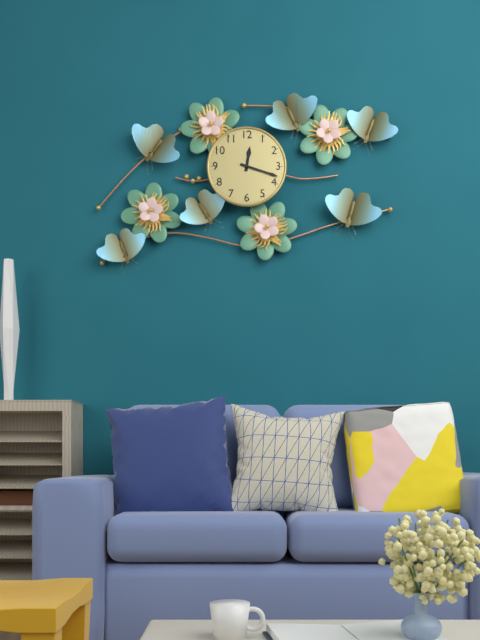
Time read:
12h18
